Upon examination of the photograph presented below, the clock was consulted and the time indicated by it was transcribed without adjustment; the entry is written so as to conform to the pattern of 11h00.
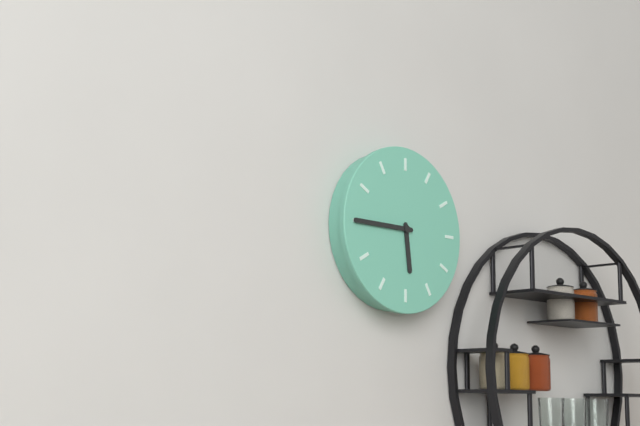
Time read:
5h45
